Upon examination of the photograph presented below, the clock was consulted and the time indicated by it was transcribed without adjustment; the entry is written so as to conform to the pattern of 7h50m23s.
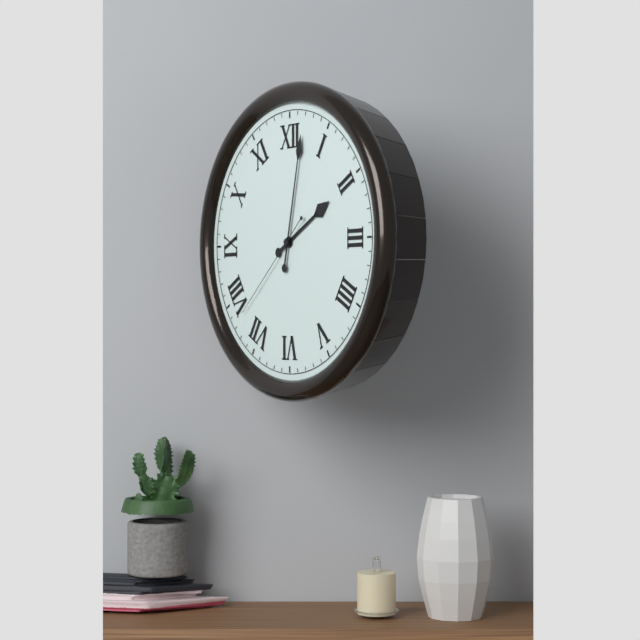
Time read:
2h02m38s
